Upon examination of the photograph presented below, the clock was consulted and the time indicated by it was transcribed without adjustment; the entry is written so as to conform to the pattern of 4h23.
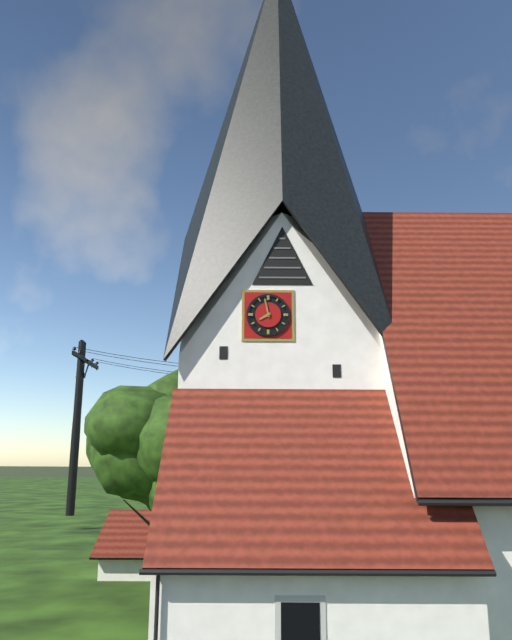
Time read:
7h58
